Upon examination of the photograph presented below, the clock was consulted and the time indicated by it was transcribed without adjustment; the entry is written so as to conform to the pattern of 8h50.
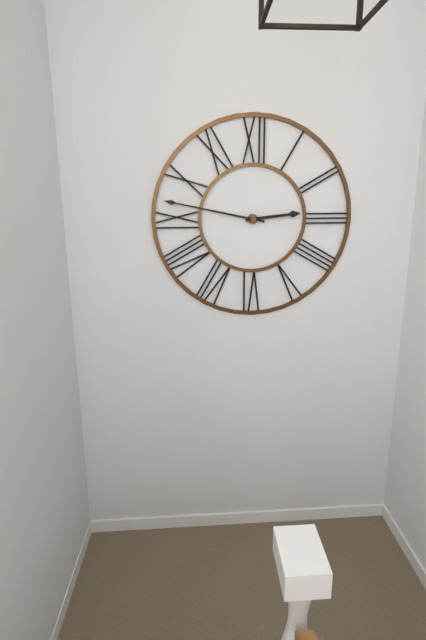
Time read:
2h47
